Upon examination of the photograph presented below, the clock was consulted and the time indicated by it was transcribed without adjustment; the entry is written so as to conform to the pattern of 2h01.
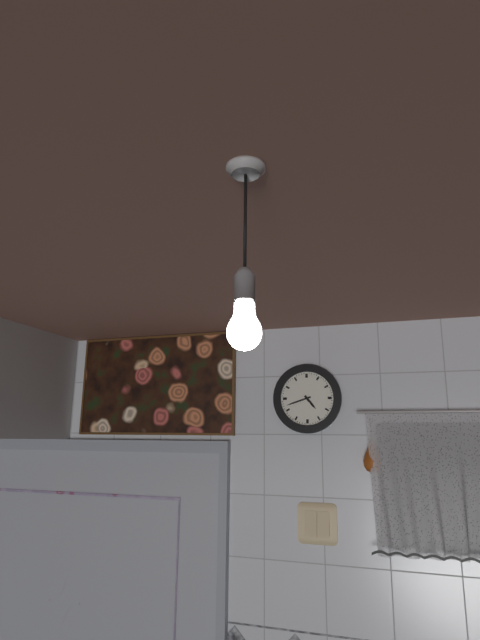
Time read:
4h42
